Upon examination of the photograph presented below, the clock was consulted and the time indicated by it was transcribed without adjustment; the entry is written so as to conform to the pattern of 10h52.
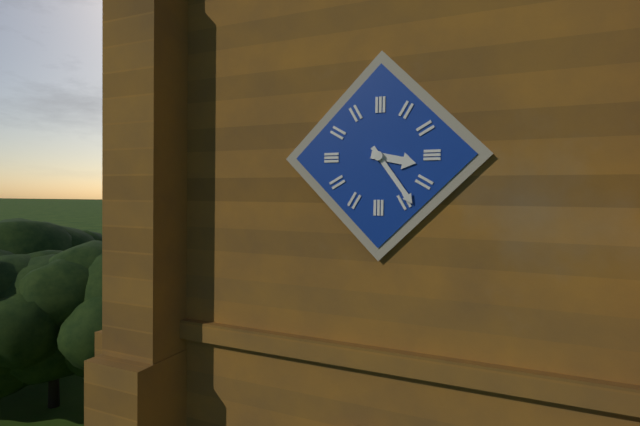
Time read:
3h24
